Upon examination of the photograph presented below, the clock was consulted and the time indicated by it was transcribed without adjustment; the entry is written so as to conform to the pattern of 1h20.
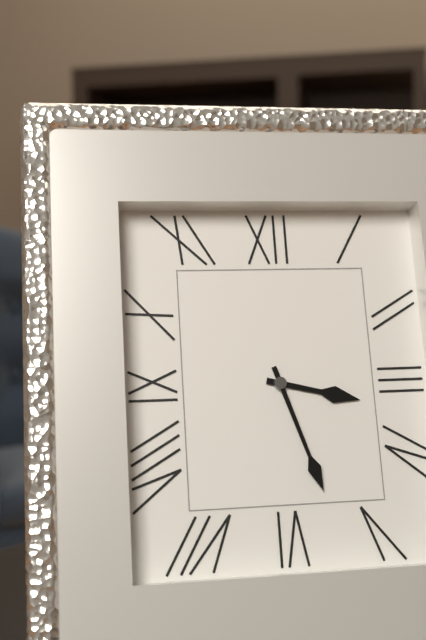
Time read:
3h27
